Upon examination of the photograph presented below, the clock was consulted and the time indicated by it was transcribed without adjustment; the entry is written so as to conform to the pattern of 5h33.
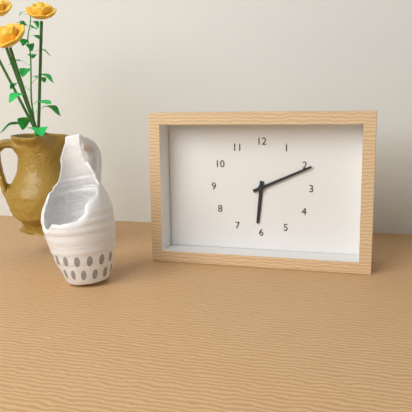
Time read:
6h11
